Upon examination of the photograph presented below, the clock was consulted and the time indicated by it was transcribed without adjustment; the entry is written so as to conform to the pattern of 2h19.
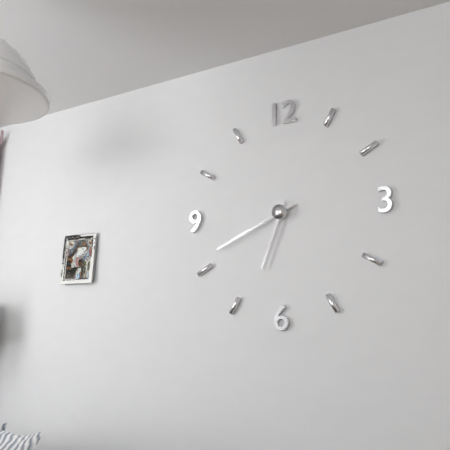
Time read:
6h41
